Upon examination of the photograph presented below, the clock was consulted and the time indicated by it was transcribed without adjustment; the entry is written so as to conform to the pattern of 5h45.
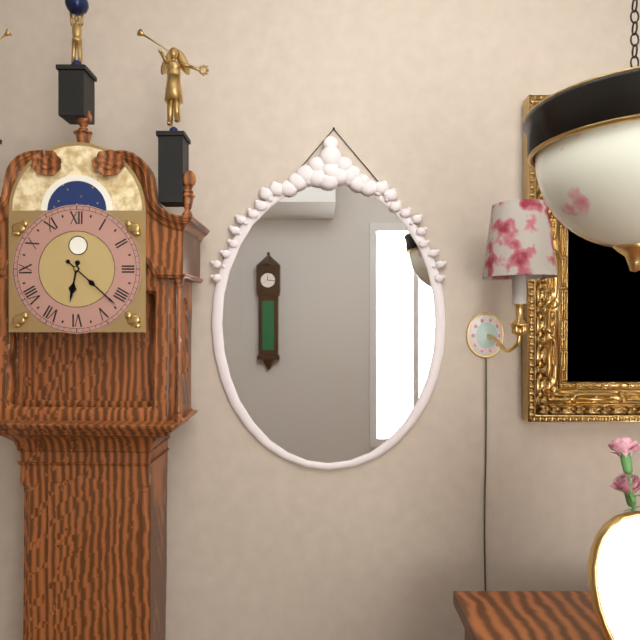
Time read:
6h22
